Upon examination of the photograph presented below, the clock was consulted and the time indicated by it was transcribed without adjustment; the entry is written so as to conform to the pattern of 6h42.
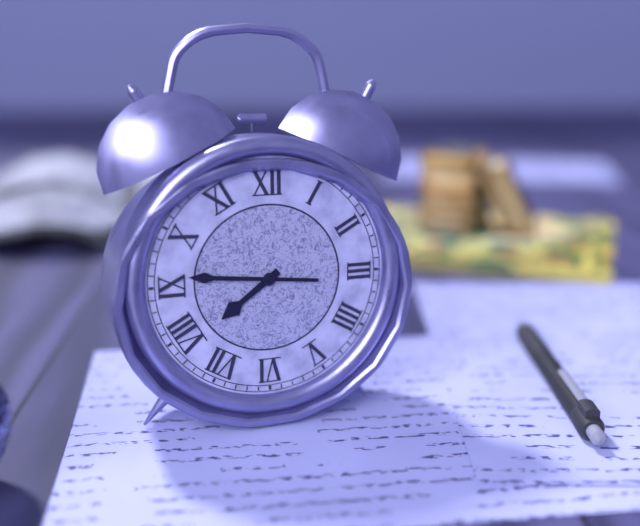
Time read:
7h46
